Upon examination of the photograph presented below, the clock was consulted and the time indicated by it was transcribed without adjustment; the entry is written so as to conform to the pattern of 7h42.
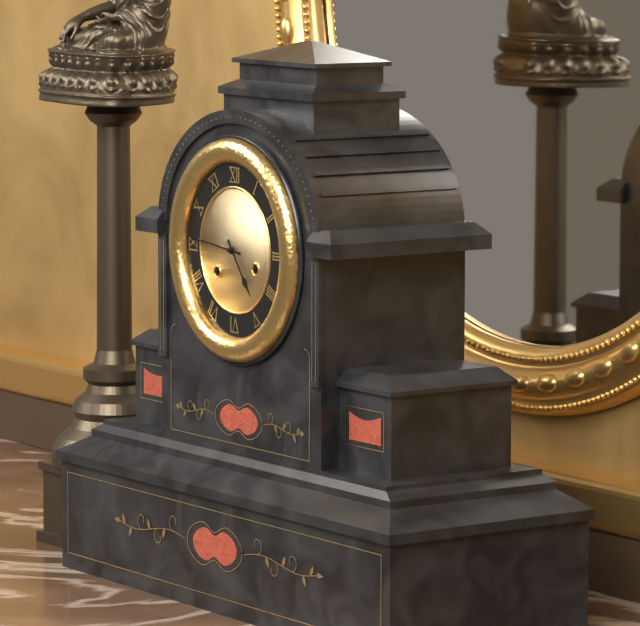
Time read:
4h46
